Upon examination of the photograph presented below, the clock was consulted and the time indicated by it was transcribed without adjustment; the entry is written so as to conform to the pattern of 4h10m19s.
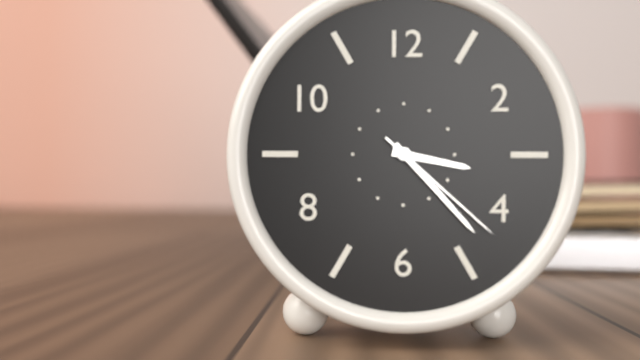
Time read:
3h23m22s
